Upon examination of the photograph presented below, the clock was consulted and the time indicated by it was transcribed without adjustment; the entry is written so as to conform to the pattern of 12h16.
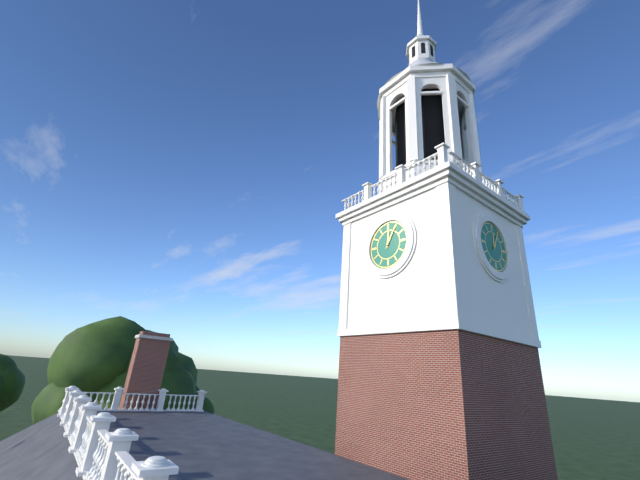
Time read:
12h05
